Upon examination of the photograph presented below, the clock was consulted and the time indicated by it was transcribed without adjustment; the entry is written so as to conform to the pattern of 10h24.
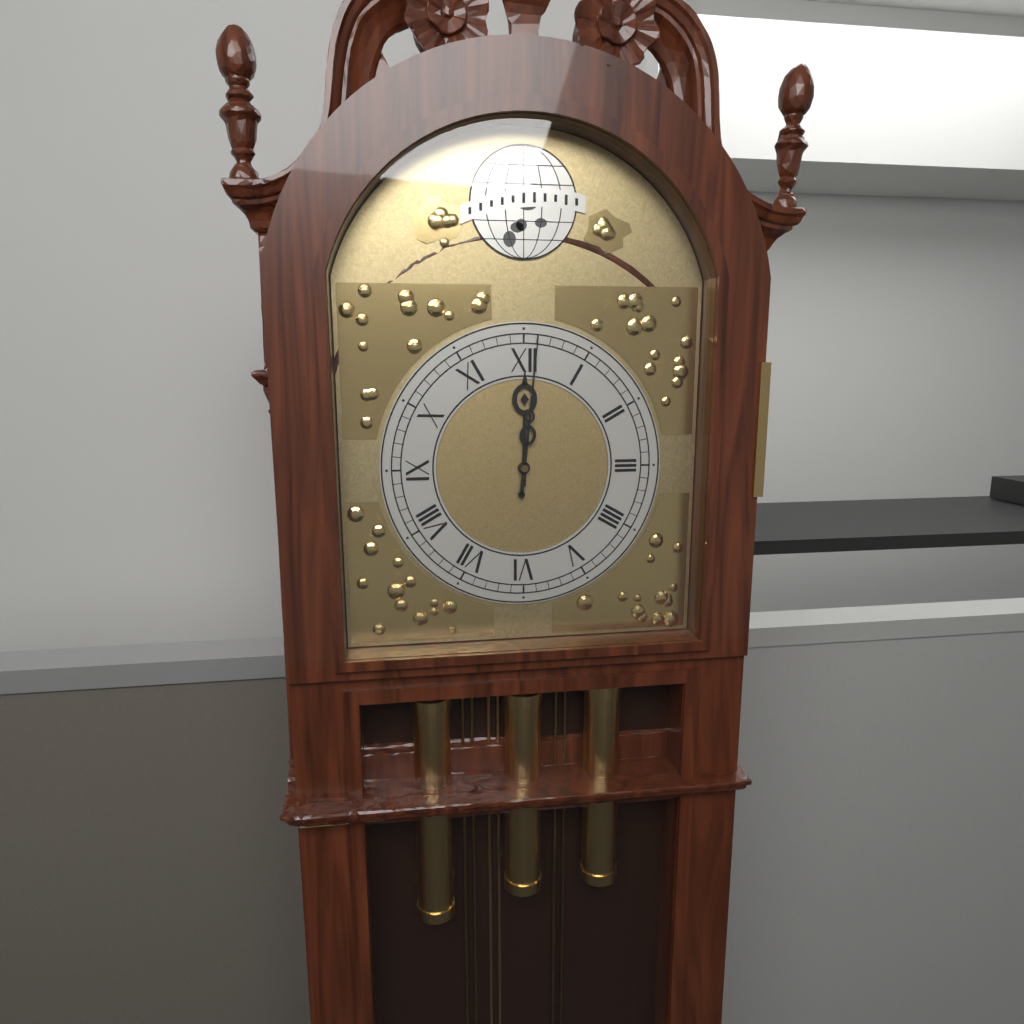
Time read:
12h01
